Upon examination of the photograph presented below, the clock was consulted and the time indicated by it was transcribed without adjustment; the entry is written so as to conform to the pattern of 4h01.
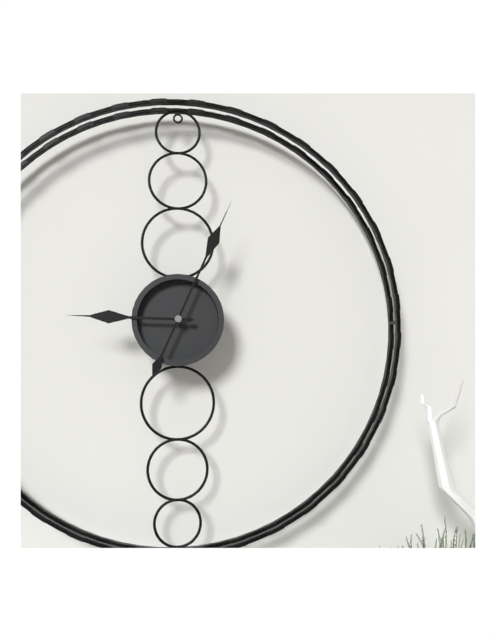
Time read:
9h04
